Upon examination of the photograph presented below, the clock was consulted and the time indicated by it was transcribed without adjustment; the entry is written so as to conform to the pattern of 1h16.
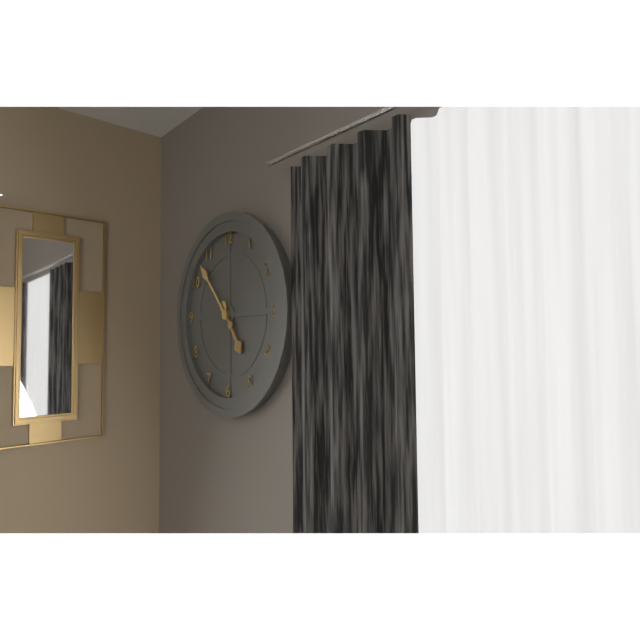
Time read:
4h53
